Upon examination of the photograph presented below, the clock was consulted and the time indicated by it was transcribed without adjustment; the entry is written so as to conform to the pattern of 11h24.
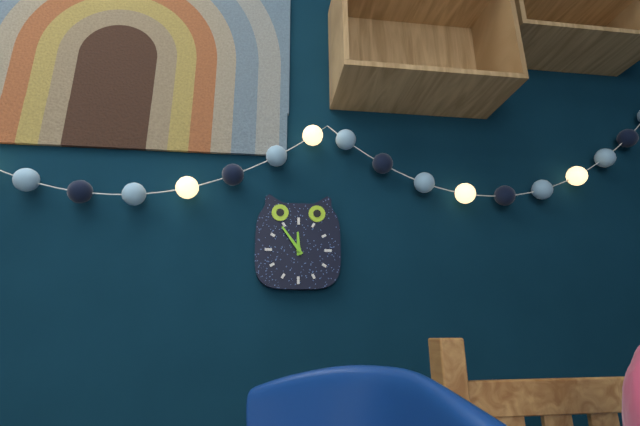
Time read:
11h54
